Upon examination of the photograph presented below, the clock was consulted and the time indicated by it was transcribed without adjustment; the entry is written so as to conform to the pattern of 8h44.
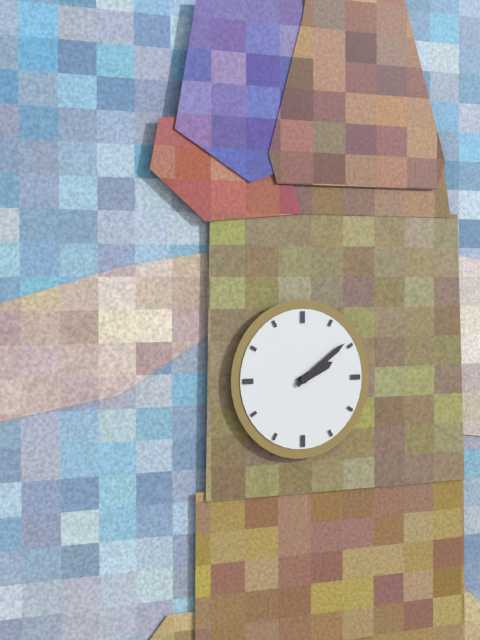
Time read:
2h09
